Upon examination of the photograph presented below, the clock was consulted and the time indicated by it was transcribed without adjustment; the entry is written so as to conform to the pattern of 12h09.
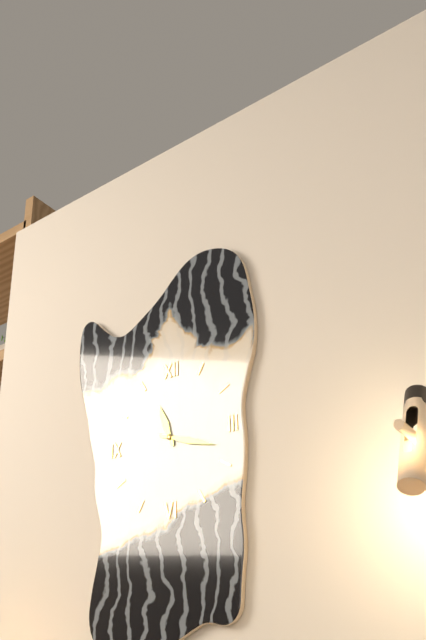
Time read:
11h18
